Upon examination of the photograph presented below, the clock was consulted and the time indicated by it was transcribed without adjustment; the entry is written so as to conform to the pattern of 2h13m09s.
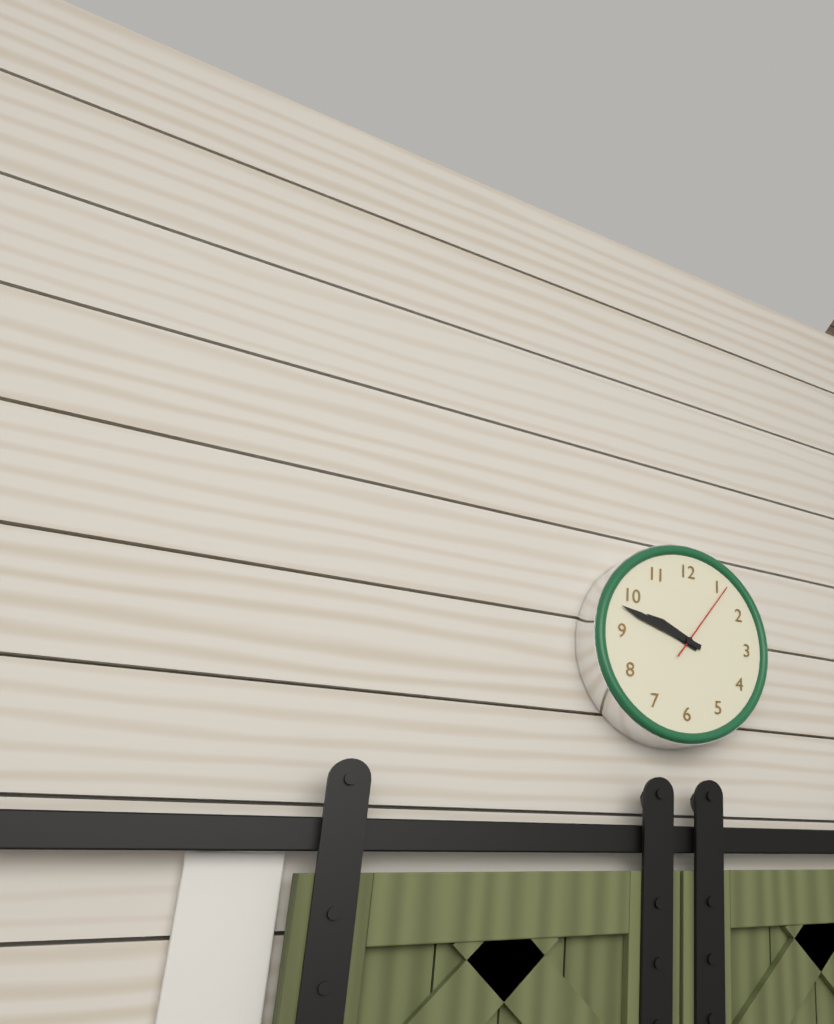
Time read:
9h48m06s
